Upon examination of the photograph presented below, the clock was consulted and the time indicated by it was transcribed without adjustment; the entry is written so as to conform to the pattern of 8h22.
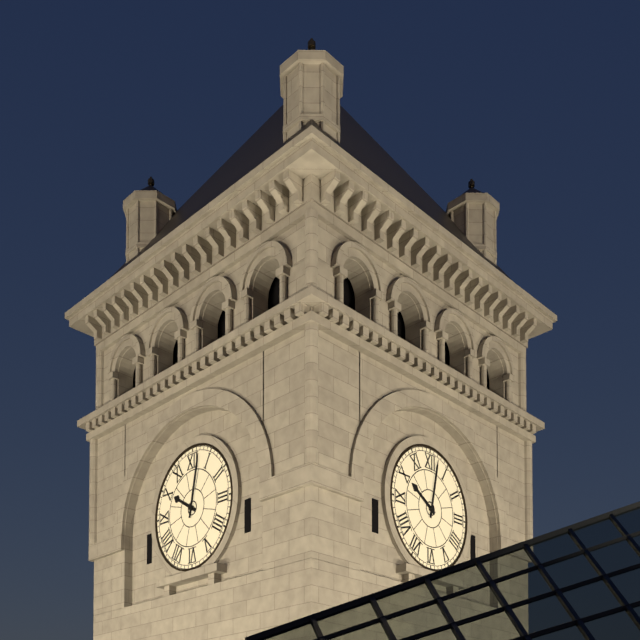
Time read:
10h02
